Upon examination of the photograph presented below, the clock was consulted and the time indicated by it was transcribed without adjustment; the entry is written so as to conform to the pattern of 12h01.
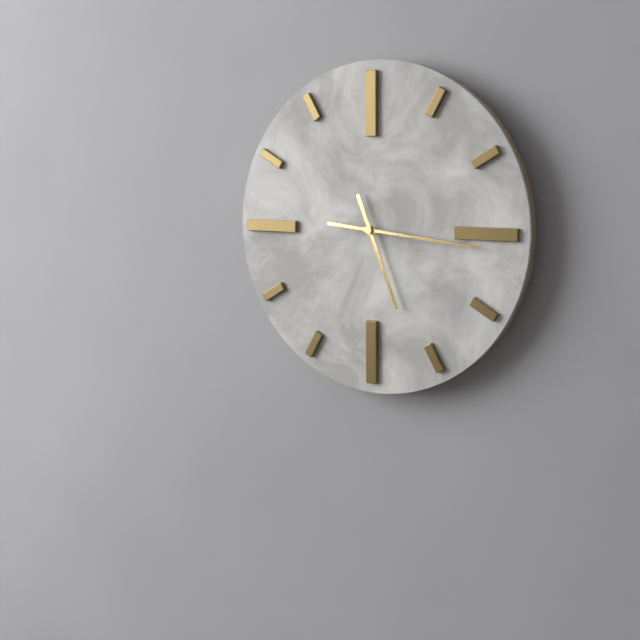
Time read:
5h16
